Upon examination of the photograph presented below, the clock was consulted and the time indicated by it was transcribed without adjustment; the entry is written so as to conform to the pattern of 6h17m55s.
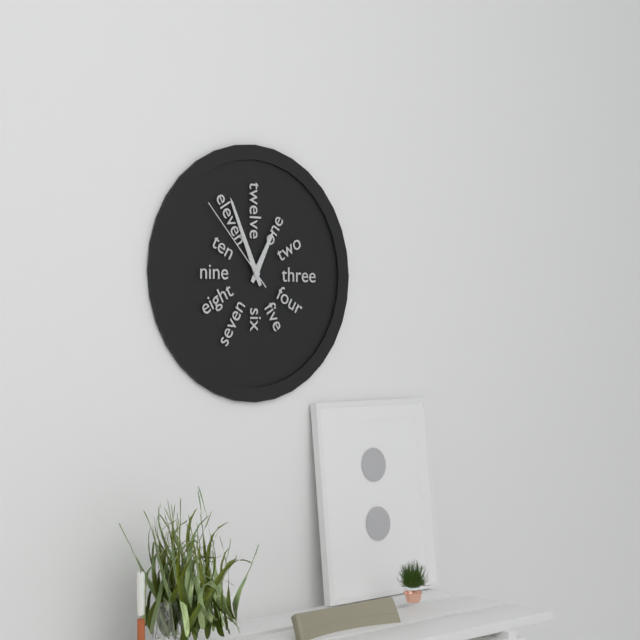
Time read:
12h56m53s
